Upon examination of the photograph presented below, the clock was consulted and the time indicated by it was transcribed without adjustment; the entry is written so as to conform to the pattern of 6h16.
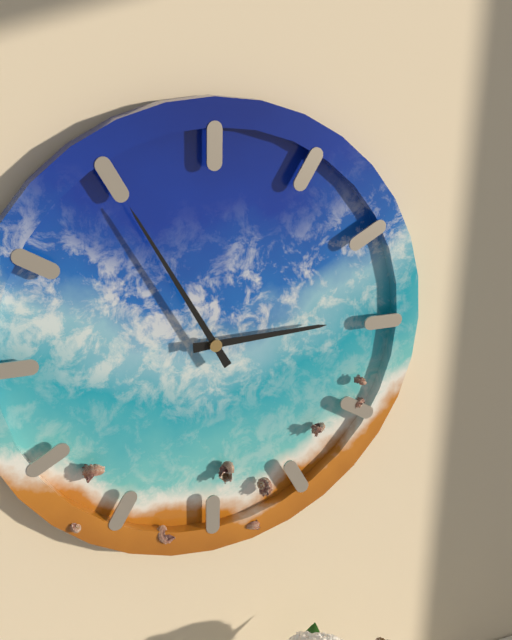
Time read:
2h55
